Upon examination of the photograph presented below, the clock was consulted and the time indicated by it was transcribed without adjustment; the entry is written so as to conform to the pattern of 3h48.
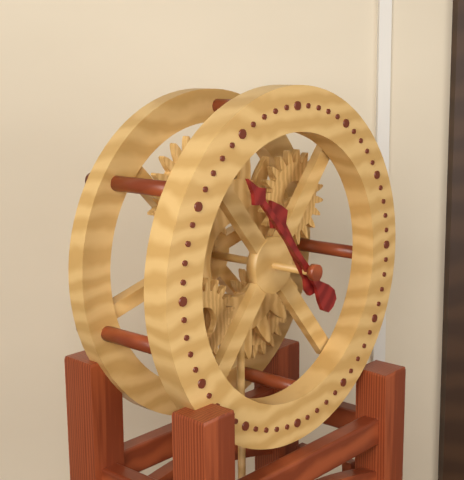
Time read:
10h53
